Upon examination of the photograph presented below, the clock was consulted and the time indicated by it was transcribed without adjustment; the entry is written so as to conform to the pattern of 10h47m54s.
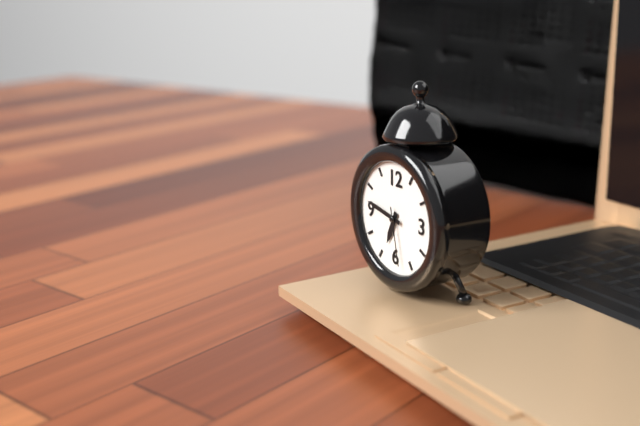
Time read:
6h47m28s
